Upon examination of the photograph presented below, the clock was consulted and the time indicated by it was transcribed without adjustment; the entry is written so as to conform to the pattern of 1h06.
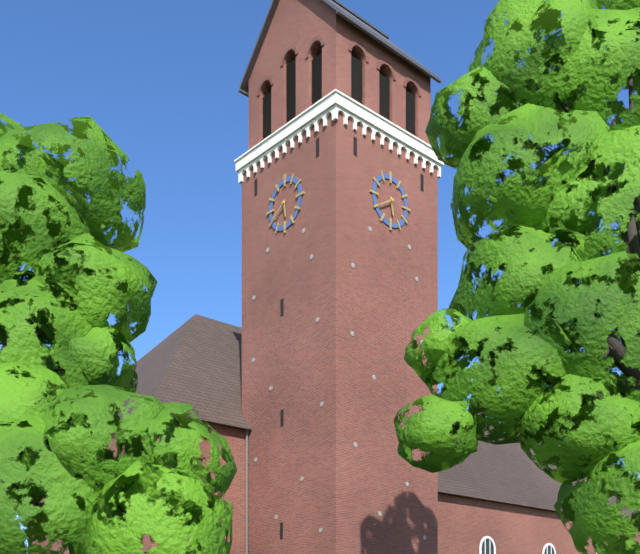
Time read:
5h40
